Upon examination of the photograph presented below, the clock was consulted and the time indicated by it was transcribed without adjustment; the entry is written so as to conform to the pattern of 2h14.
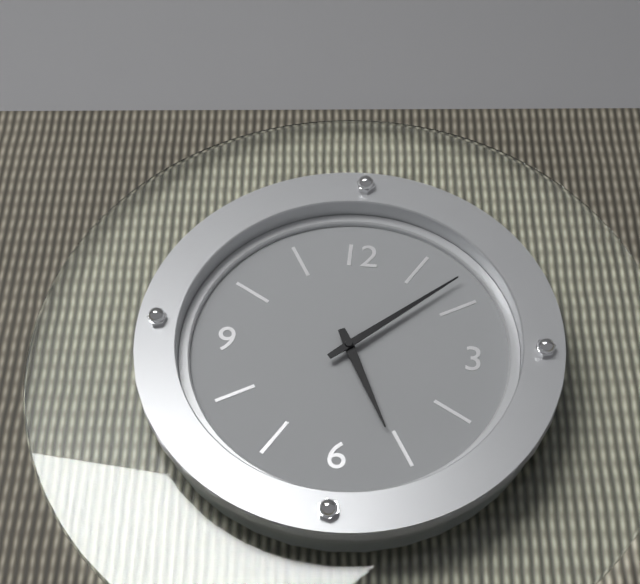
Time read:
5h08
